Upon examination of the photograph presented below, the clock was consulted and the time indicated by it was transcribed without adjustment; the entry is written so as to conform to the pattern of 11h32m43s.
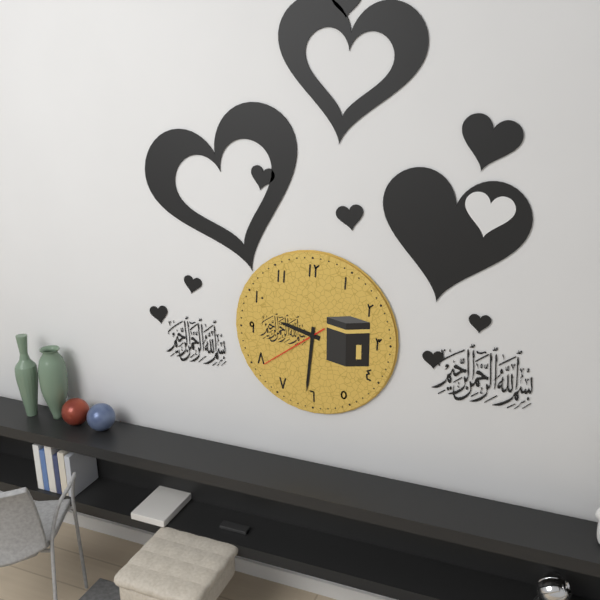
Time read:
9h31m39s
